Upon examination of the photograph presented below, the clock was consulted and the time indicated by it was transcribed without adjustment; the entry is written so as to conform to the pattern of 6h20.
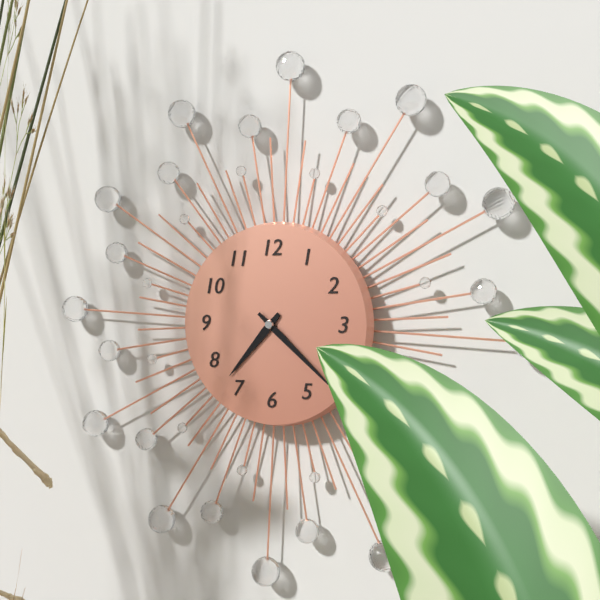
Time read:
7h22
